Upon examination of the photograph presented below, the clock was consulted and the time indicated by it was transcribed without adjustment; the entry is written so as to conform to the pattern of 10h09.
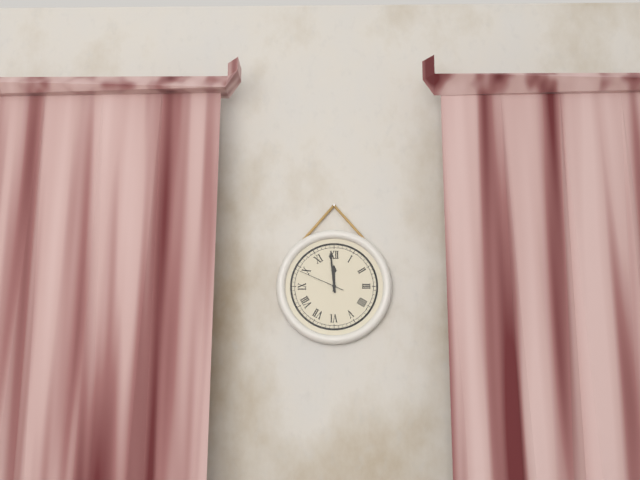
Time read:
11h59
